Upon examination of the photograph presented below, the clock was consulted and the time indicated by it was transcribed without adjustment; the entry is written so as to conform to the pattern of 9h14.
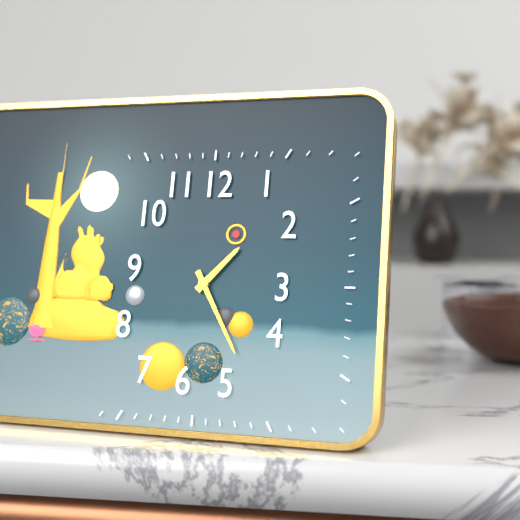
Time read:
1h25
